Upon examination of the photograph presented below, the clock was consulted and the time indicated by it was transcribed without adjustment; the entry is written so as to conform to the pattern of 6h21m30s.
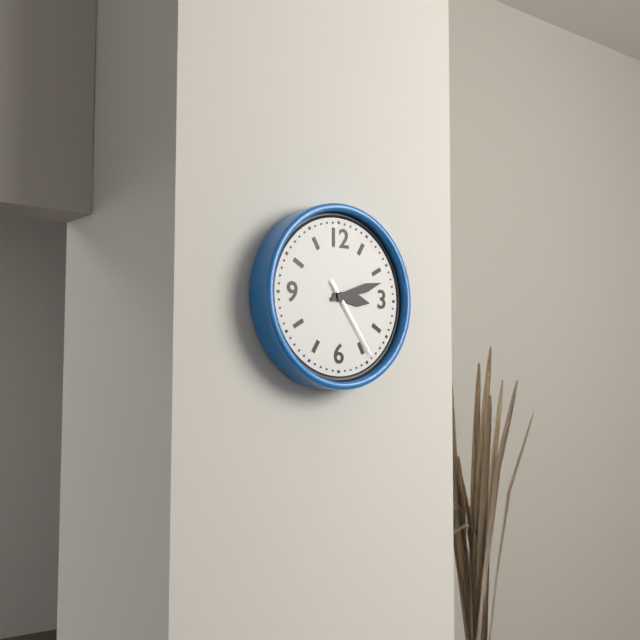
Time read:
3h12m24s
